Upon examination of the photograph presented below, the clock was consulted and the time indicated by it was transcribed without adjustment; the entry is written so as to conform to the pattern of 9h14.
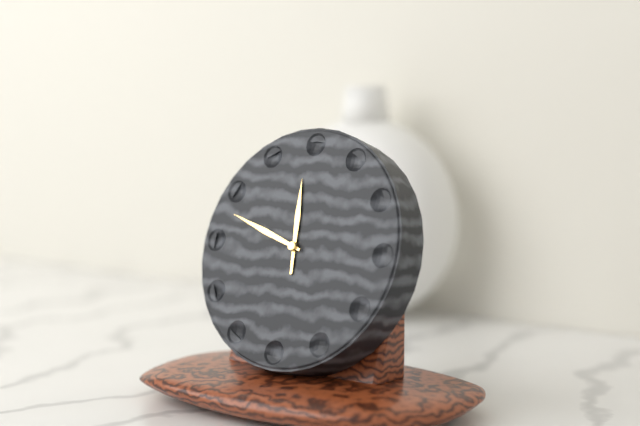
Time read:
11h48
